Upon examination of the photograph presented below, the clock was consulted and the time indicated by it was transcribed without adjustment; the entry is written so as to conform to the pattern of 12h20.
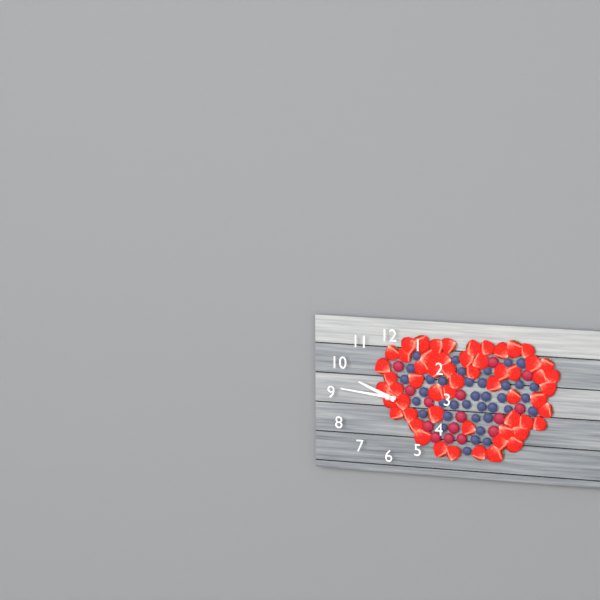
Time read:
9h46
